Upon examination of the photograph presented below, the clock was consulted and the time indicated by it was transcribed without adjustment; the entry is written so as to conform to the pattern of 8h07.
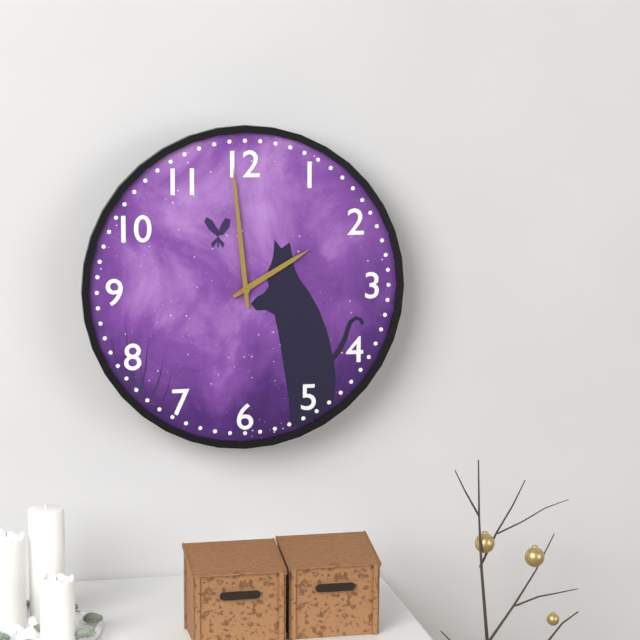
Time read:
1h59
